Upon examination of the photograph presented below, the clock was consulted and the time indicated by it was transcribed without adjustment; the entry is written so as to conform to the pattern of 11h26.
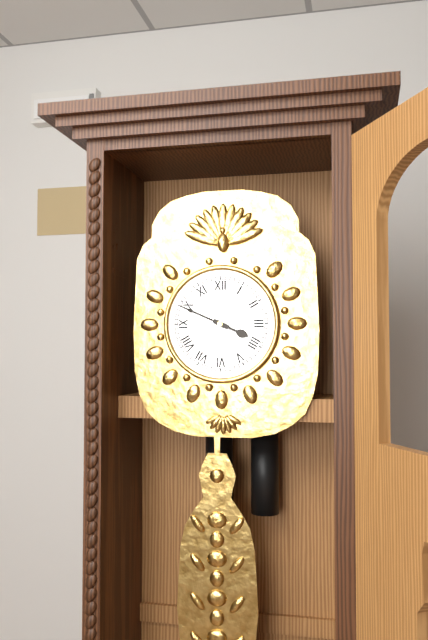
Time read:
3h49
